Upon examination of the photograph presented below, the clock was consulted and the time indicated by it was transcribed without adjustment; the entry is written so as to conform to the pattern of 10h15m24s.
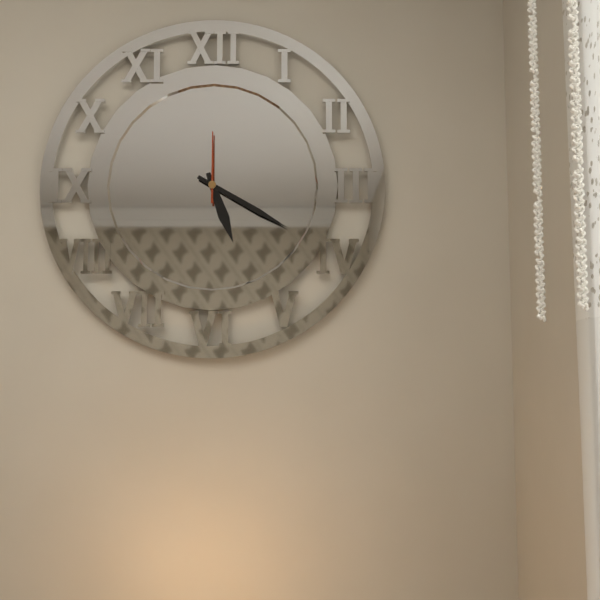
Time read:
5h20m00s
